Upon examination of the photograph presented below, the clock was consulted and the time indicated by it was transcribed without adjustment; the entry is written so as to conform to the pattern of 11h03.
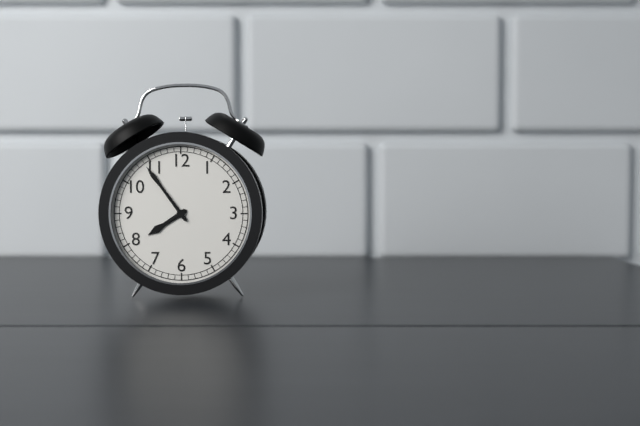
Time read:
7h54
